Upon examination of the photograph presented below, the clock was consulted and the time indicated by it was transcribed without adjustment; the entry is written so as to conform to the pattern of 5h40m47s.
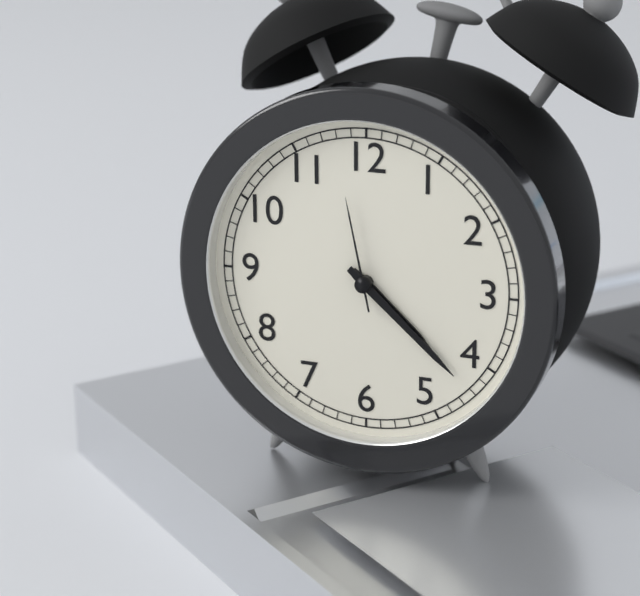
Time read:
4h22m58s
